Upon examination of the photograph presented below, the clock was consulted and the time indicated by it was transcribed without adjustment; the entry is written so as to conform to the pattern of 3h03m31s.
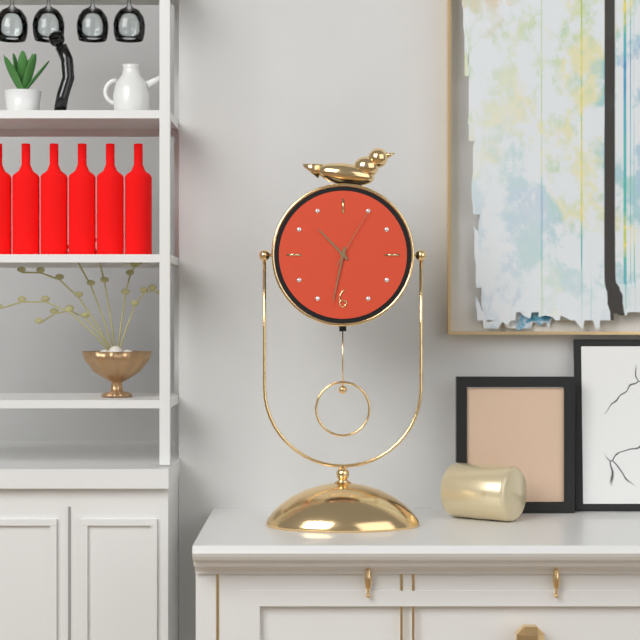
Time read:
10h32m05s
